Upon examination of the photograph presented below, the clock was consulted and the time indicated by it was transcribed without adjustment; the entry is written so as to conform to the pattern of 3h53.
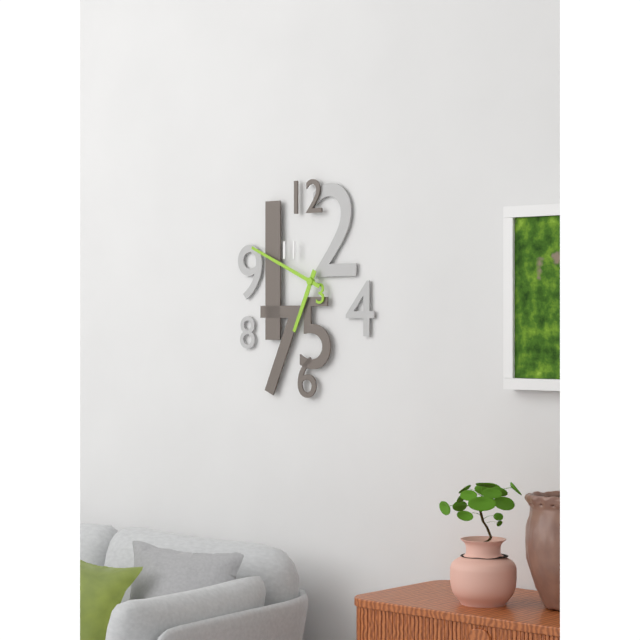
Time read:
6h49
